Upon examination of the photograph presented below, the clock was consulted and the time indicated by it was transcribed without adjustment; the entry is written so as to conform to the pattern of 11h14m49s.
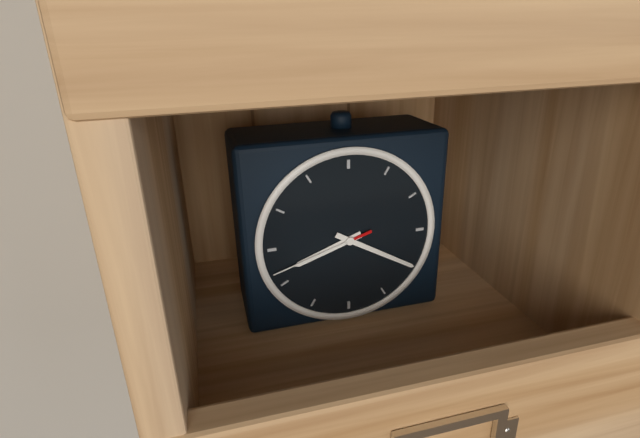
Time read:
8h20m42s
